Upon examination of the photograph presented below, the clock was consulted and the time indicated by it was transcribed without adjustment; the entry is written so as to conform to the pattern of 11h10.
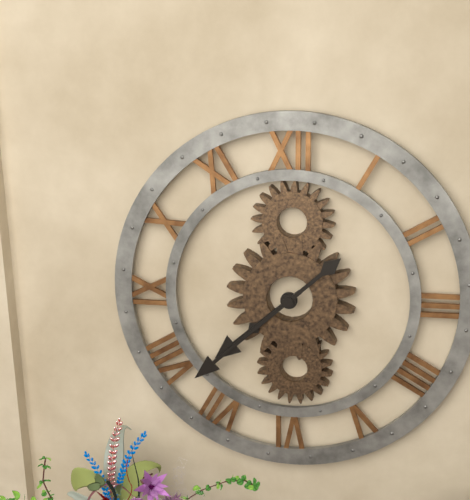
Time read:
7h38
